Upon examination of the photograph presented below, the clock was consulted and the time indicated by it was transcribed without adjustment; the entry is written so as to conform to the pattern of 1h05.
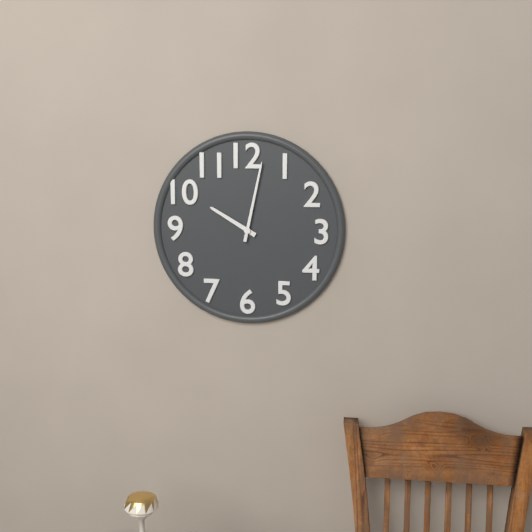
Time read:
10h02
